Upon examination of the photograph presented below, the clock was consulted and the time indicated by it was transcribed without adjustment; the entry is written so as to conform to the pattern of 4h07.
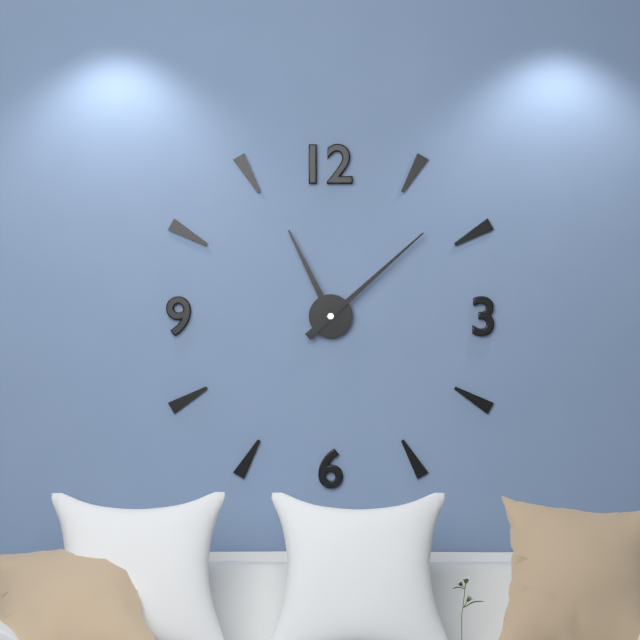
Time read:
11h08
